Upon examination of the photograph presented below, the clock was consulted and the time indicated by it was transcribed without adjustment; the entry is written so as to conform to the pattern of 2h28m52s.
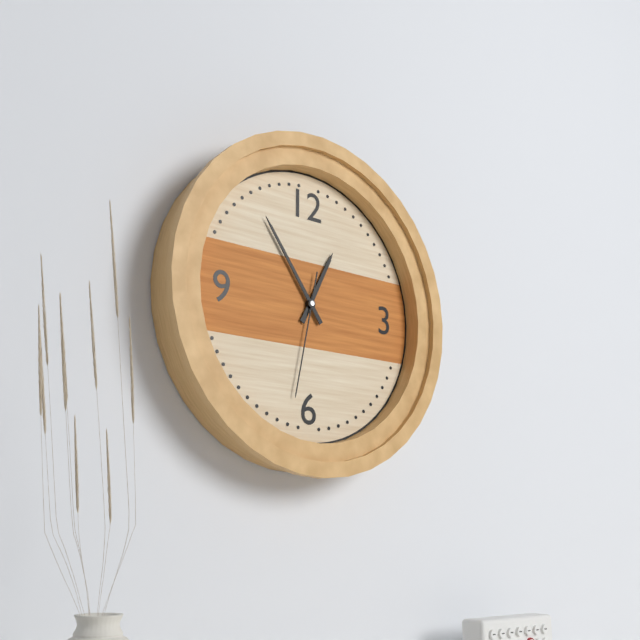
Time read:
12h54m32s
